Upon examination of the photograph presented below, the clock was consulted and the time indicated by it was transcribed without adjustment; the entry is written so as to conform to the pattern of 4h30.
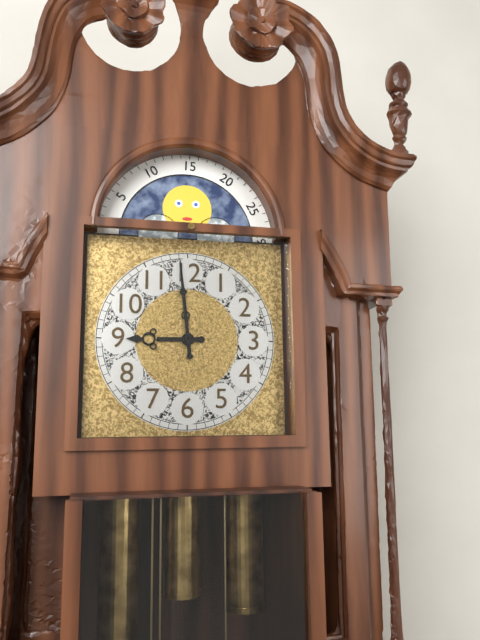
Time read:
8h59
